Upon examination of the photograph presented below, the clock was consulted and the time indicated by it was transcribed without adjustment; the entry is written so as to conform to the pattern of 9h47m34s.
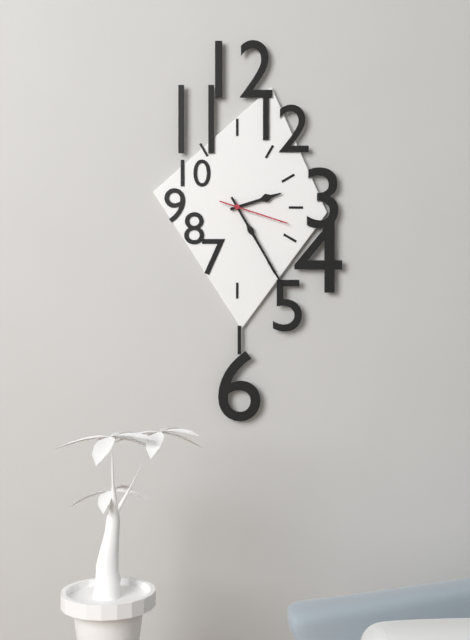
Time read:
2h25m18s
